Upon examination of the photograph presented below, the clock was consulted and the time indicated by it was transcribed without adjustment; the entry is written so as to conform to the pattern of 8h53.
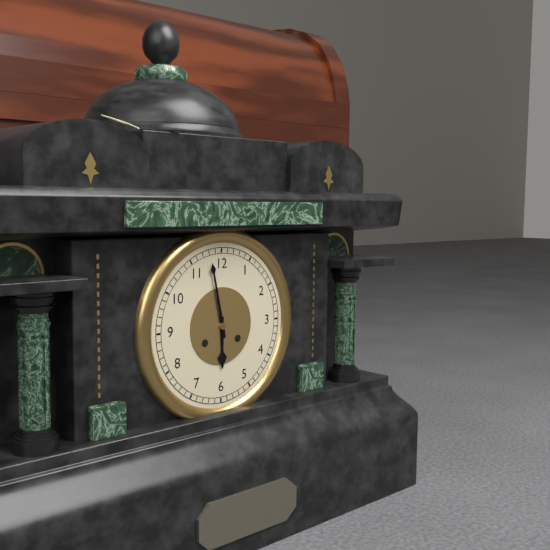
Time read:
5h58
